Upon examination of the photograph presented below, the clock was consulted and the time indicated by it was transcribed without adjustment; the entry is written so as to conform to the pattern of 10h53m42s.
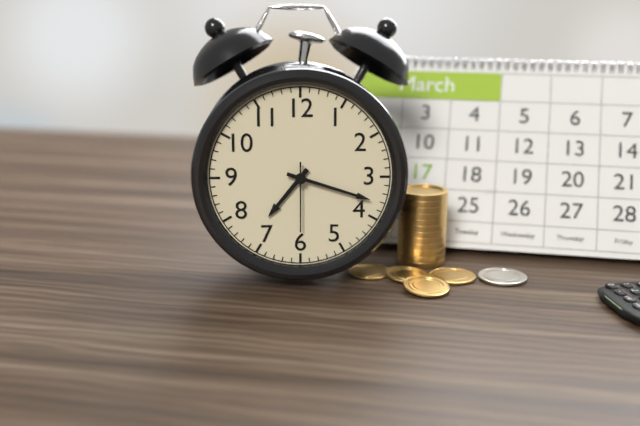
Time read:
7h18m30s
